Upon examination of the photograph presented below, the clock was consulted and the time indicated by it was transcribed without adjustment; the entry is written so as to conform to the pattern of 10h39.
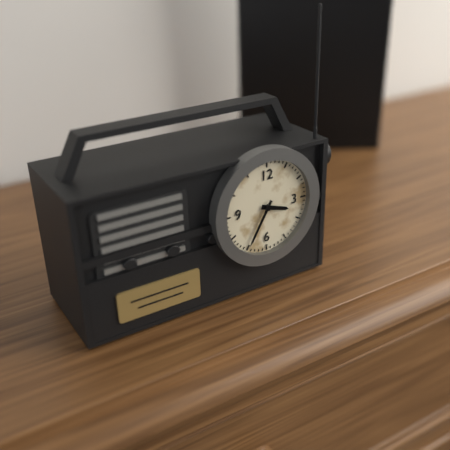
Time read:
3h35
